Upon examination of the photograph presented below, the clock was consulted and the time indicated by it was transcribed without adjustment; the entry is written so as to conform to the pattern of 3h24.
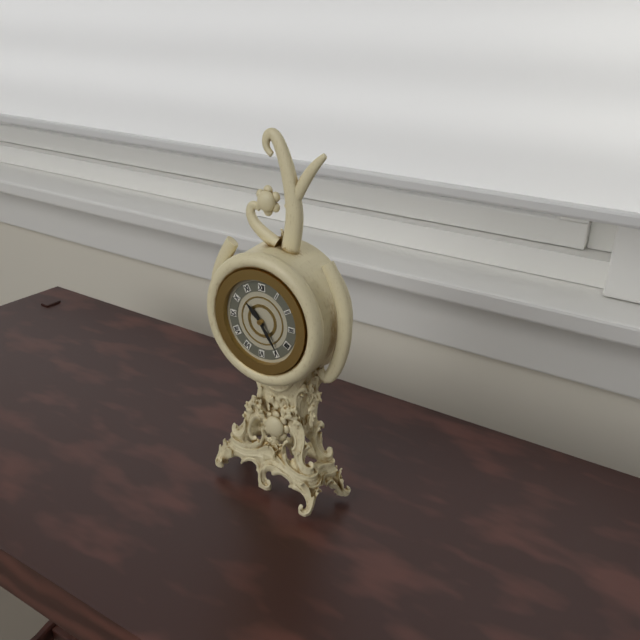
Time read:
10h24
